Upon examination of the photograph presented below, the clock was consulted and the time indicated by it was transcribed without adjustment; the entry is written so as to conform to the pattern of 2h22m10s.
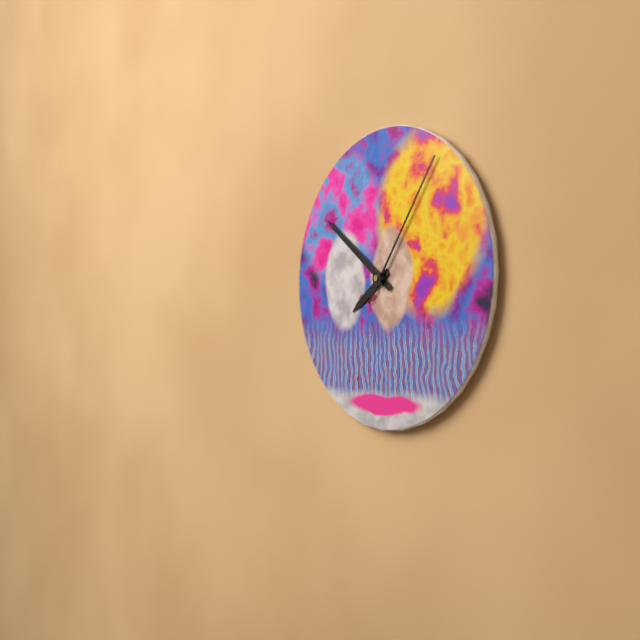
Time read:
7h51m06s
